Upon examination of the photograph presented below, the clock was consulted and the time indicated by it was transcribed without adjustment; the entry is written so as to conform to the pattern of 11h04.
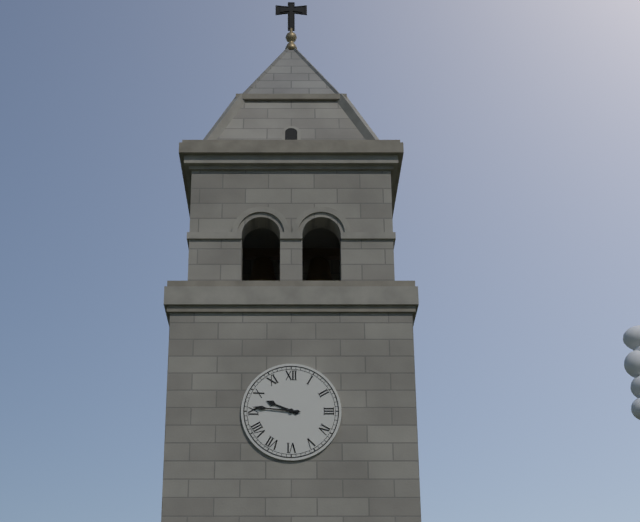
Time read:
9h46
